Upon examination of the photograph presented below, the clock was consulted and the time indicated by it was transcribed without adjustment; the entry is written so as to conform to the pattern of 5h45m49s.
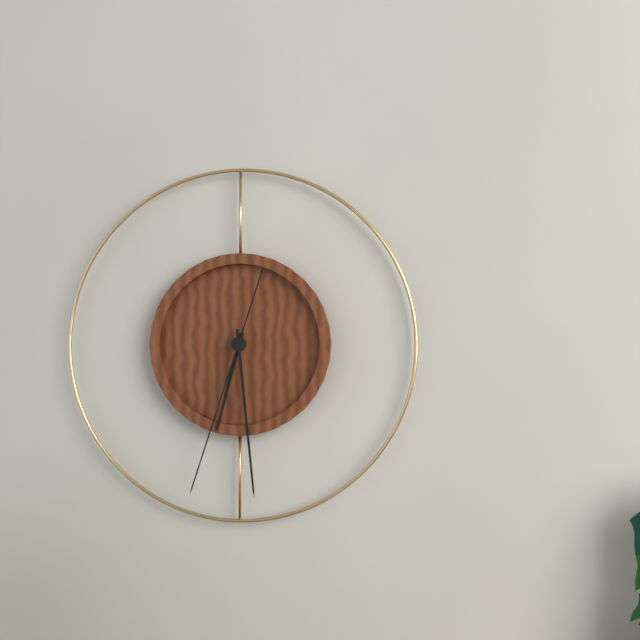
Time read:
6h29m33s
